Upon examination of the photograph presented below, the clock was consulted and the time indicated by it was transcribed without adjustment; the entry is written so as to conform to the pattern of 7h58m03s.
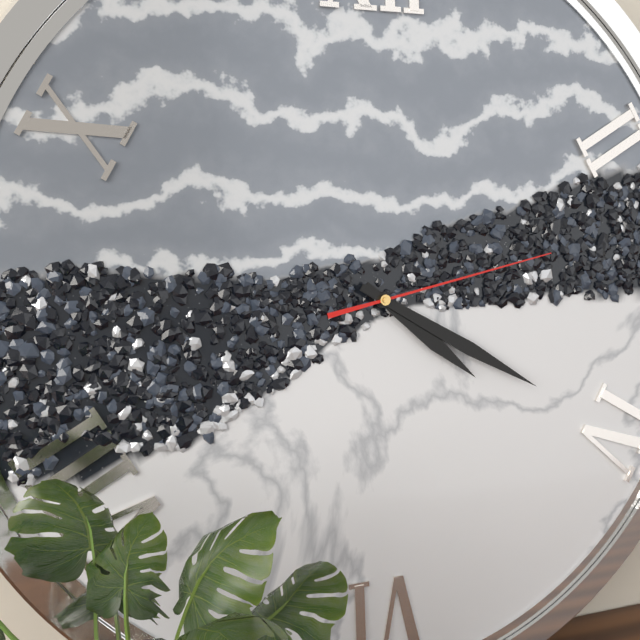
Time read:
4h20m13s
